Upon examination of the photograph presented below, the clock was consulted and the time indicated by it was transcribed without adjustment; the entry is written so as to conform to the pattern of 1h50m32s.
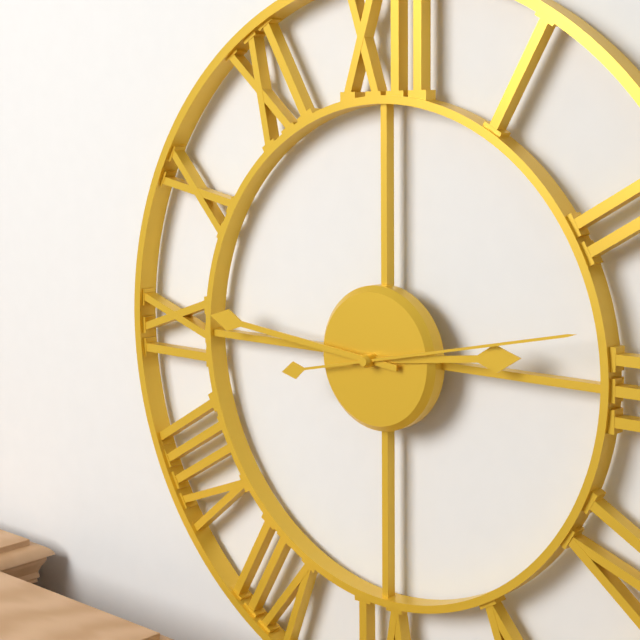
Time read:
2h46m13s
